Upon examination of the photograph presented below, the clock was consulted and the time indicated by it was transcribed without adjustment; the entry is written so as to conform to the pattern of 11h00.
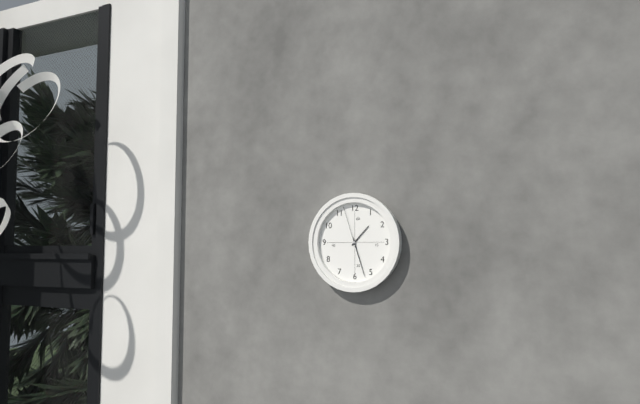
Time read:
1h27
